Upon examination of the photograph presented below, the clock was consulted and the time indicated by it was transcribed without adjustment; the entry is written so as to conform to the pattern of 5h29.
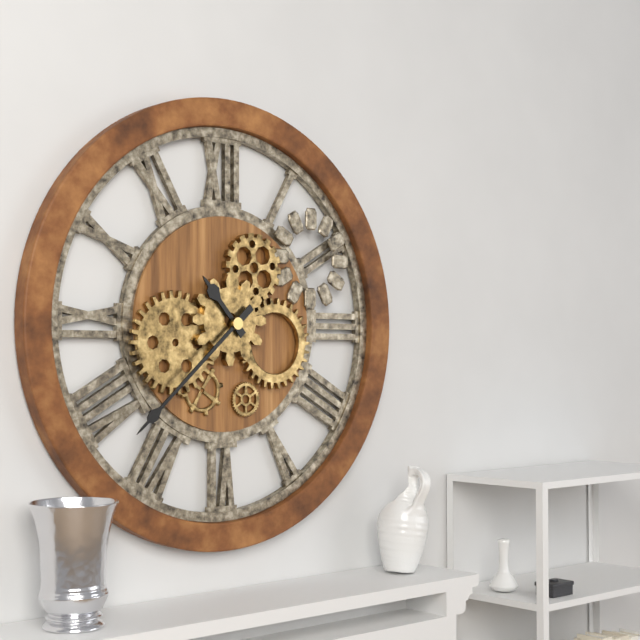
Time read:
10h38
